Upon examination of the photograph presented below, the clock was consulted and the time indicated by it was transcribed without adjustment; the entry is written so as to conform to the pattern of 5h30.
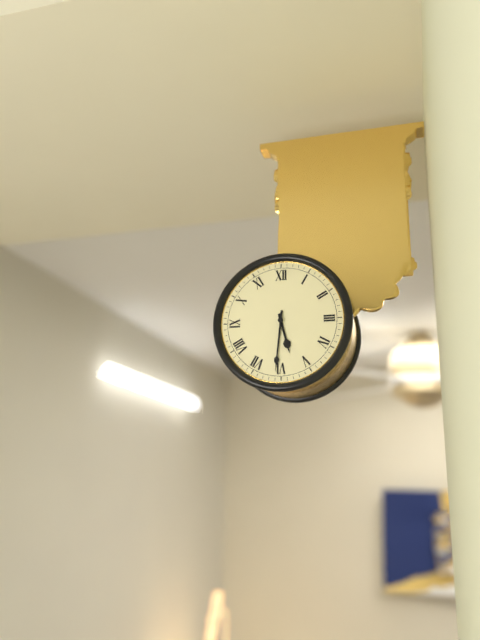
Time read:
5h31
